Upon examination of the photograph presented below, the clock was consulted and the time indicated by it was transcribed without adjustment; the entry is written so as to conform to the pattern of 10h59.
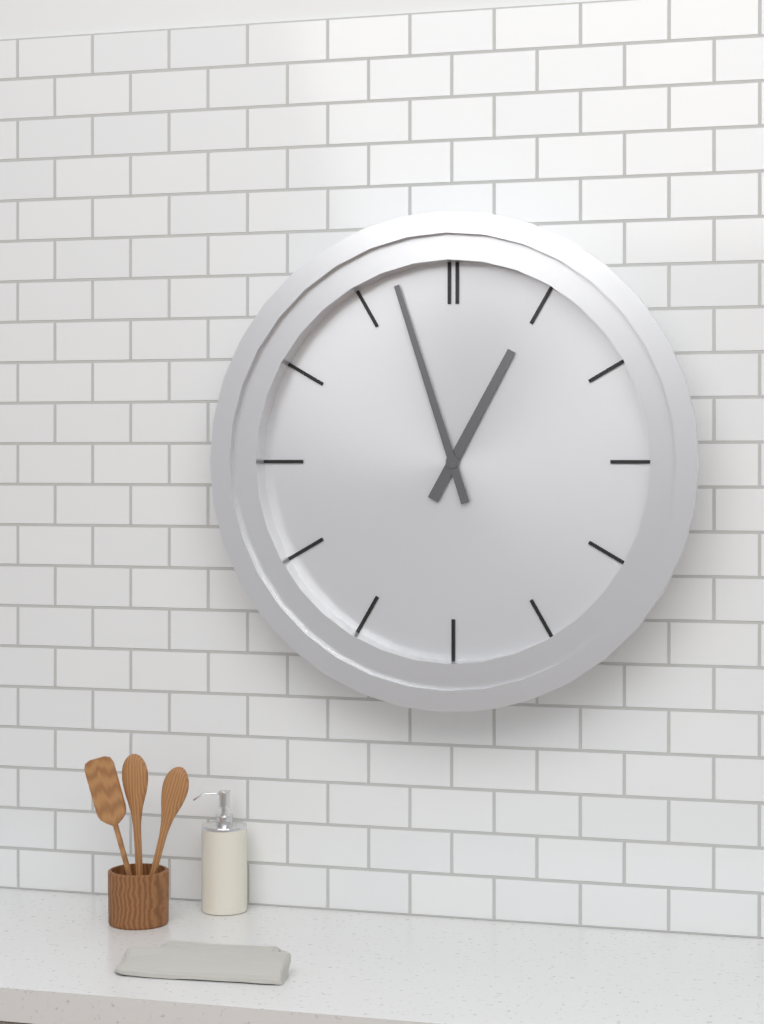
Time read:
12h57
